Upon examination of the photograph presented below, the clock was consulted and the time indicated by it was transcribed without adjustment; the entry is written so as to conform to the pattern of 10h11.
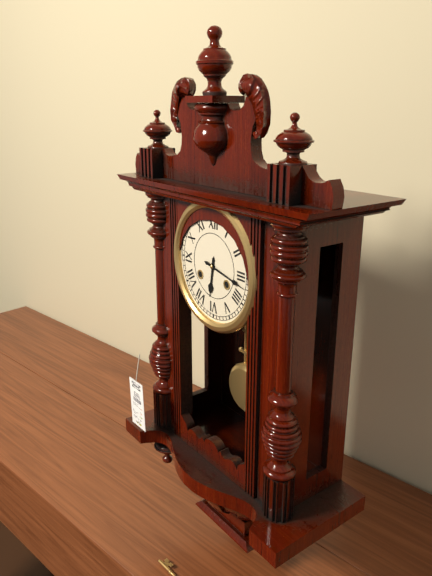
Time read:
6h17
